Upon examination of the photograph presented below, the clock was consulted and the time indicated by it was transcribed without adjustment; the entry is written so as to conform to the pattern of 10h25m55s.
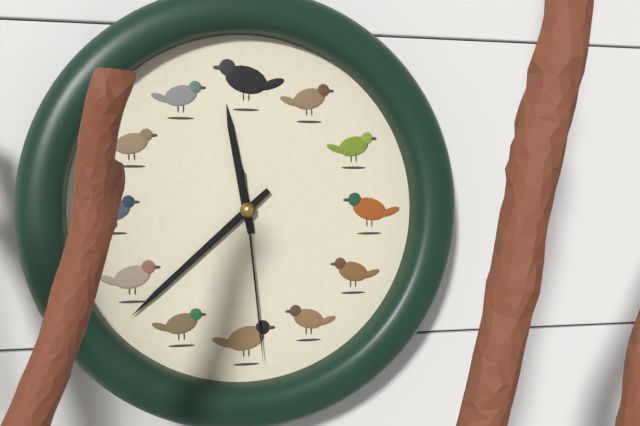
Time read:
11h38m29s
